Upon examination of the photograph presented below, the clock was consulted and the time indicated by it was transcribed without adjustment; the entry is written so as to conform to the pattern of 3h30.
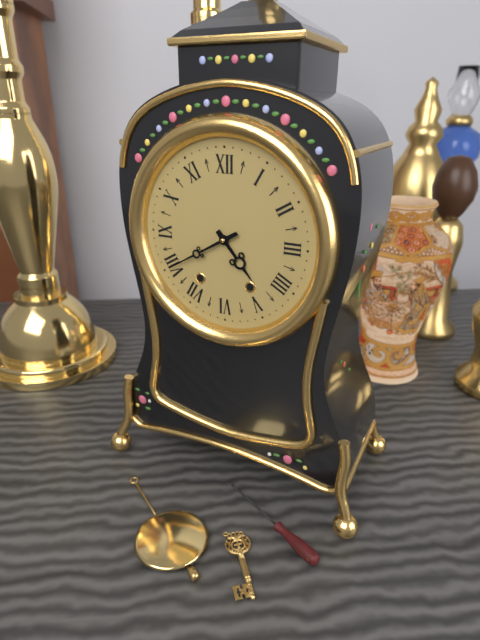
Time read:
4h40
